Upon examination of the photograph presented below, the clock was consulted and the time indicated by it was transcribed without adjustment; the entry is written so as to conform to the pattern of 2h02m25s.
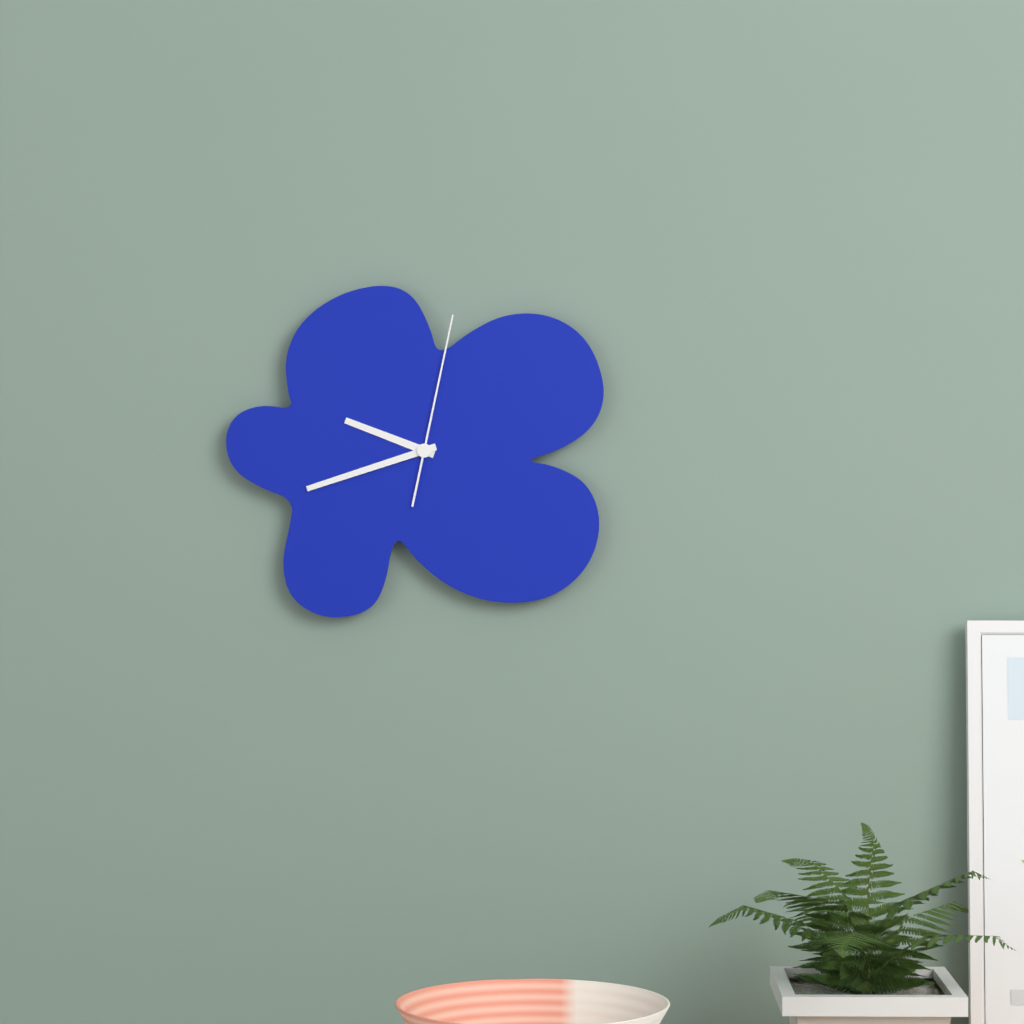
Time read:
9h42m02s
